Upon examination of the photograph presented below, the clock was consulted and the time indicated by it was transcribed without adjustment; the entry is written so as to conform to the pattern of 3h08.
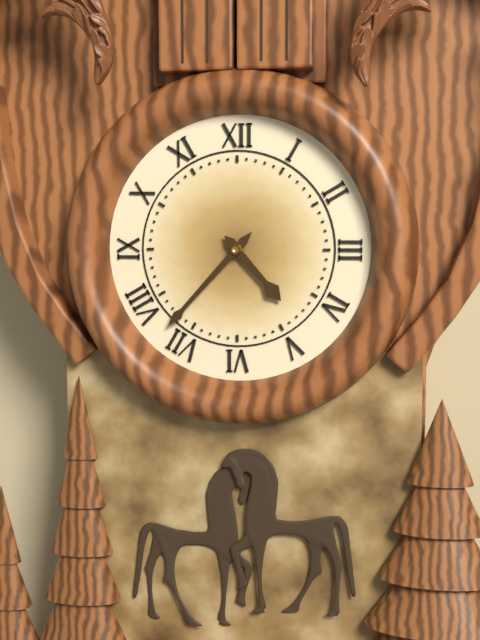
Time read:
4h37
